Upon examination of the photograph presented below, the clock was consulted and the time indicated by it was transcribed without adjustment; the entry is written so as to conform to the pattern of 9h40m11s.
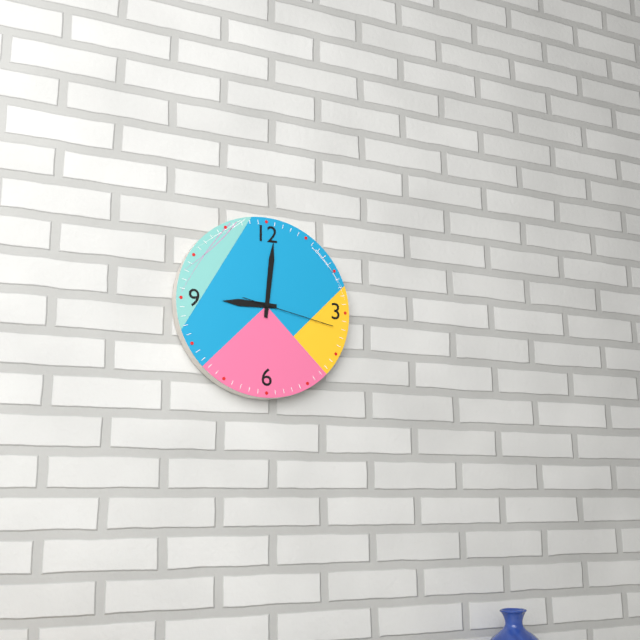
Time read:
9h01m17s
